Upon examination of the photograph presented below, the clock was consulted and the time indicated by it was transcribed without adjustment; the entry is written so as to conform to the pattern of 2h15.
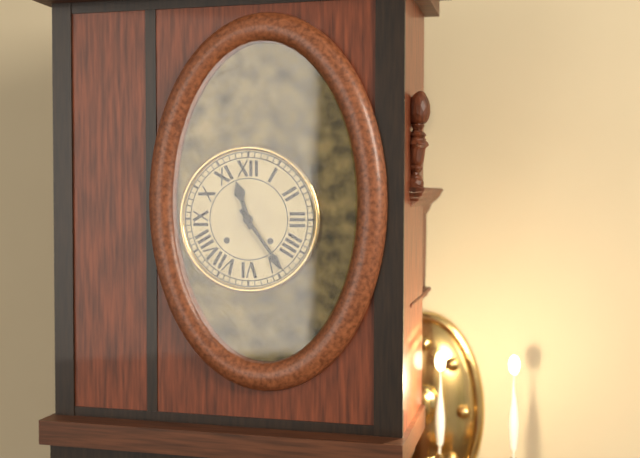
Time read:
11h24
